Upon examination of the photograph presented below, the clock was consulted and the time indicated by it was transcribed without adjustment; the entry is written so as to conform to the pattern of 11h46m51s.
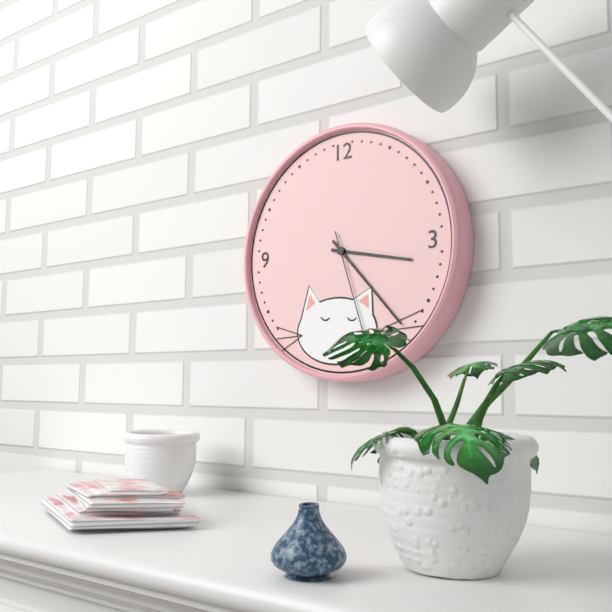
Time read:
3h23m27s
